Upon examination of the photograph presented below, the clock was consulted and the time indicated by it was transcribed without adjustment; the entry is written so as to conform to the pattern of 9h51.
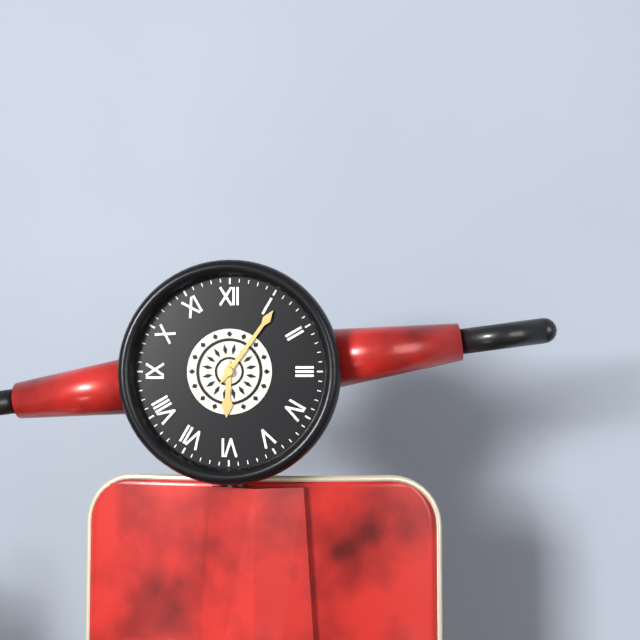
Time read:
6h06
